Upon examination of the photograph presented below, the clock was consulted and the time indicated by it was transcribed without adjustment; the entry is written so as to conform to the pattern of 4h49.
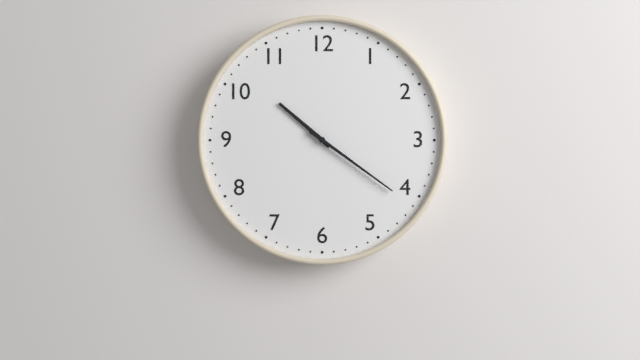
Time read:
10h21
